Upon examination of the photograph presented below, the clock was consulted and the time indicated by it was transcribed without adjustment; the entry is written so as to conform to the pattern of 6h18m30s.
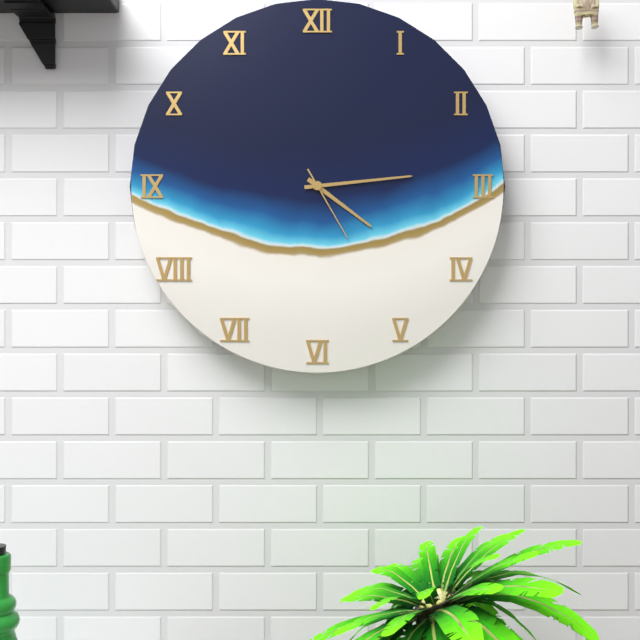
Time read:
4h14m25s
